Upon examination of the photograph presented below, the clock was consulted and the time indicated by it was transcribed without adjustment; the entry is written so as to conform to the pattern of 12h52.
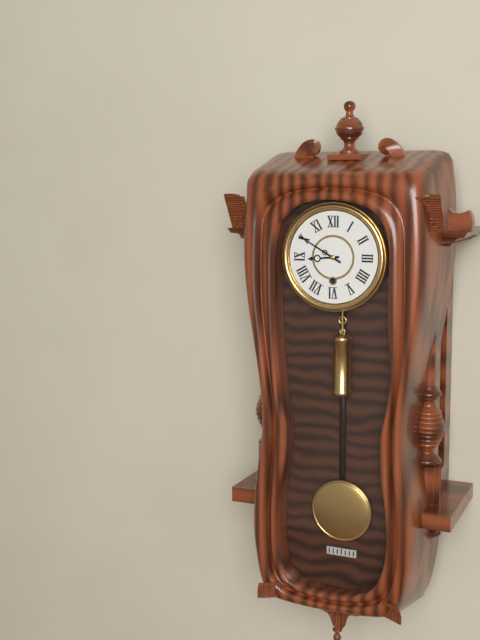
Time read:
8h50
